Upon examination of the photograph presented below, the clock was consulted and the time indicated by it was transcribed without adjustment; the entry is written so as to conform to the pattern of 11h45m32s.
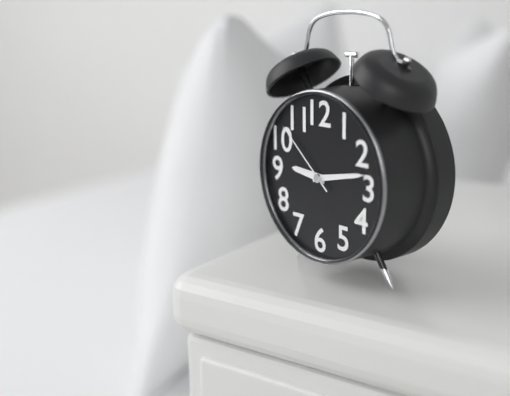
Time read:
9h13m52s
